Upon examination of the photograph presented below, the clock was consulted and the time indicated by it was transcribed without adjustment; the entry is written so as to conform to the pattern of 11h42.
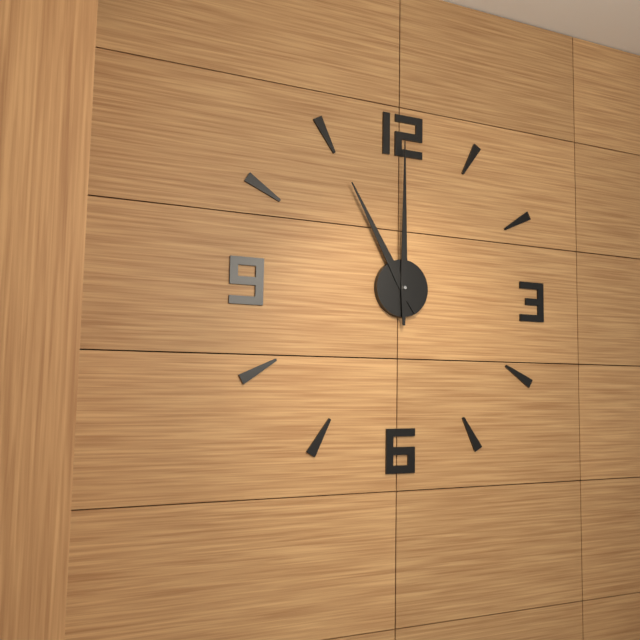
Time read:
11h00
